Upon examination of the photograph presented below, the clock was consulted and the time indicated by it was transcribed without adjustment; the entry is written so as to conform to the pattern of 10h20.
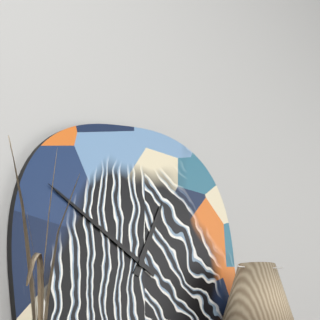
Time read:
12h50
